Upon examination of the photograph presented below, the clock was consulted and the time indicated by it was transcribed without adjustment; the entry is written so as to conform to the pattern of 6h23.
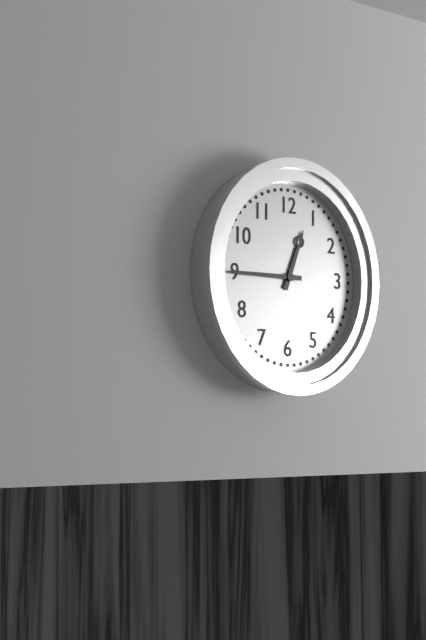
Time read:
12h45
